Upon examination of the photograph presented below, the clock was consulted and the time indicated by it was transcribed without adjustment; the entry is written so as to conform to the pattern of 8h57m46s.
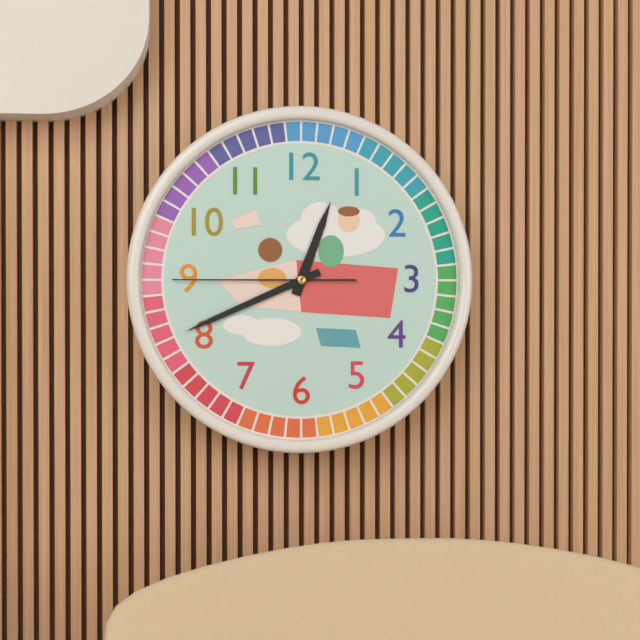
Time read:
12h41m45s
